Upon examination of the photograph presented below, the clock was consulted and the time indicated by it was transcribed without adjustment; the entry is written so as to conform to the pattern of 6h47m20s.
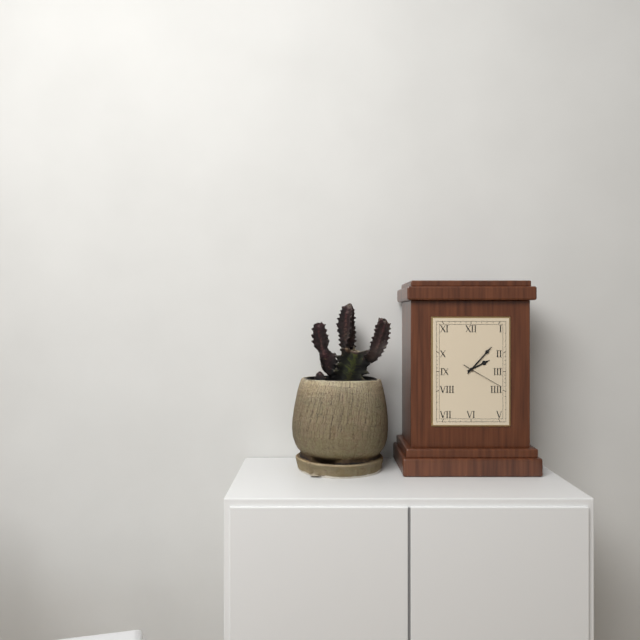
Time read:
2h07m20s
